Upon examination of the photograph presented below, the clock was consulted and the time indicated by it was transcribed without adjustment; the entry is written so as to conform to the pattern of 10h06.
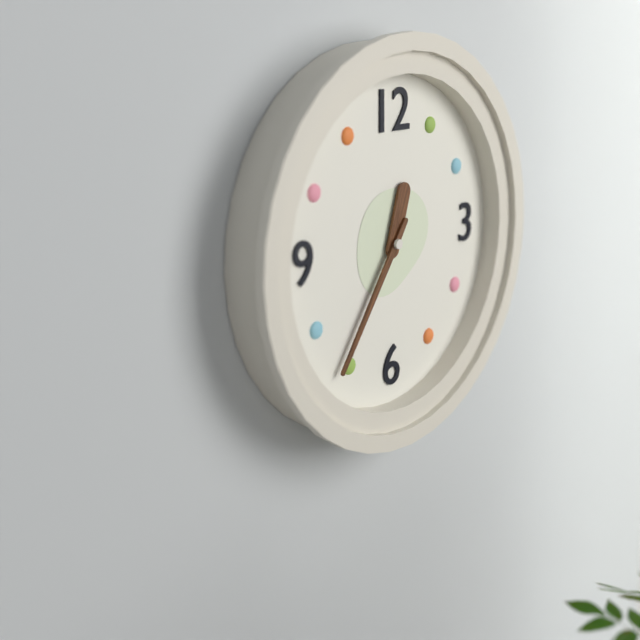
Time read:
12h36
